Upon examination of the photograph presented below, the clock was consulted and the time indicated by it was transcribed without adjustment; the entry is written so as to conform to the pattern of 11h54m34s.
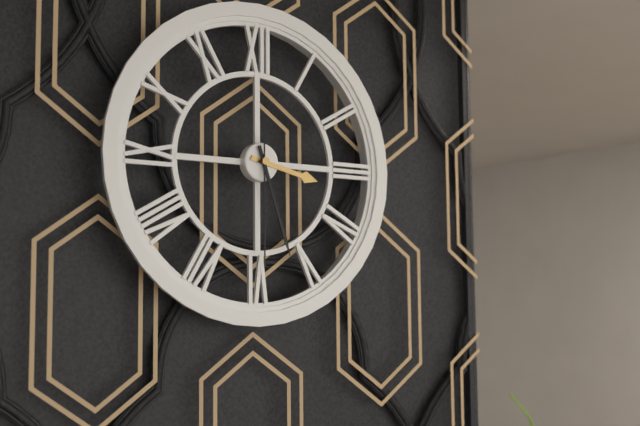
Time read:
3h27m30s
